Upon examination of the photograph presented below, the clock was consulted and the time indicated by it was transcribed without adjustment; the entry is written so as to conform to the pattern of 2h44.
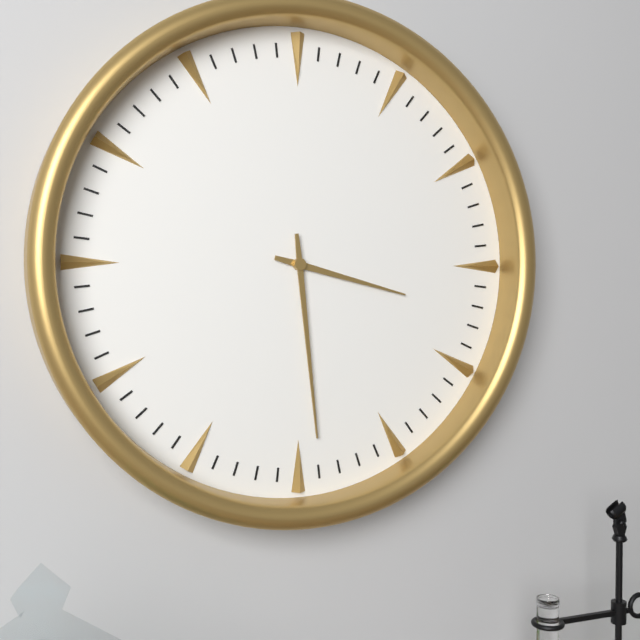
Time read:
3h29
